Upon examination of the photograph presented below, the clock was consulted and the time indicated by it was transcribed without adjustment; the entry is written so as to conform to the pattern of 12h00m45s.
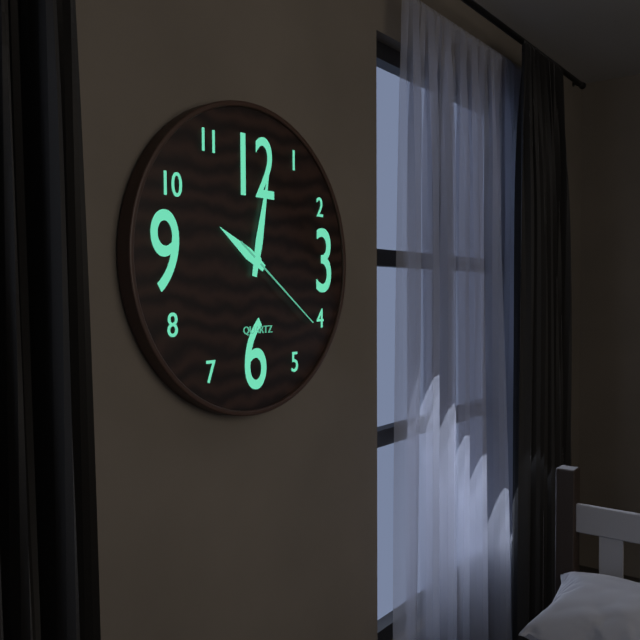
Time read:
10h02m21s
